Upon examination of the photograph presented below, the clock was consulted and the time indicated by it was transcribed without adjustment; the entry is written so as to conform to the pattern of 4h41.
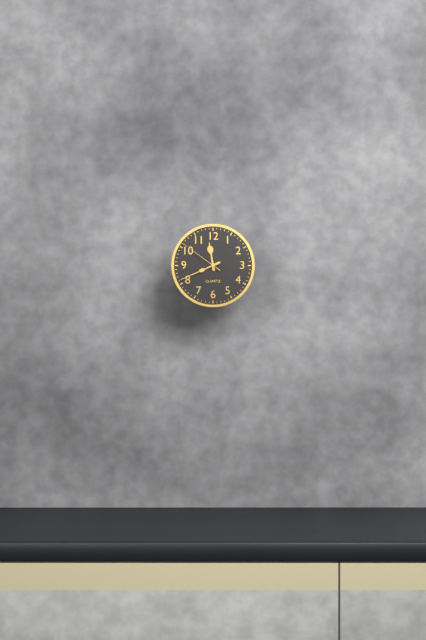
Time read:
11h41
